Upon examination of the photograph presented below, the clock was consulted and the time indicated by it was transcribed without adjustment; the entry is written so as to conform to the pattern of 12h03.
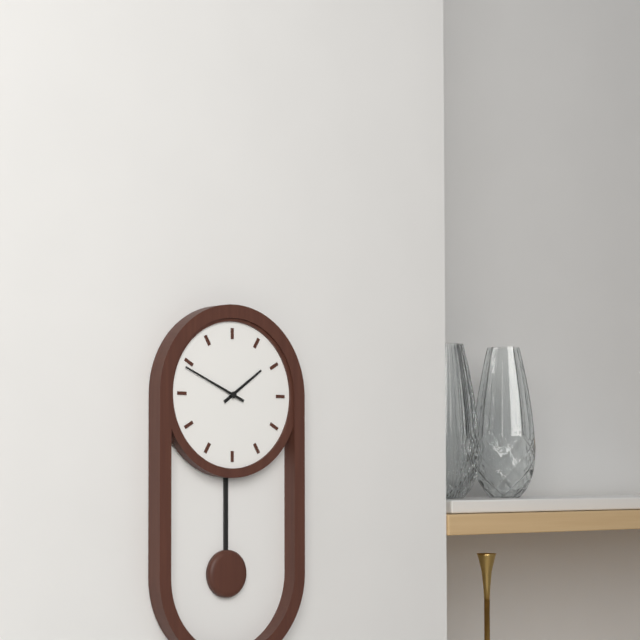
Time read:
1h49
